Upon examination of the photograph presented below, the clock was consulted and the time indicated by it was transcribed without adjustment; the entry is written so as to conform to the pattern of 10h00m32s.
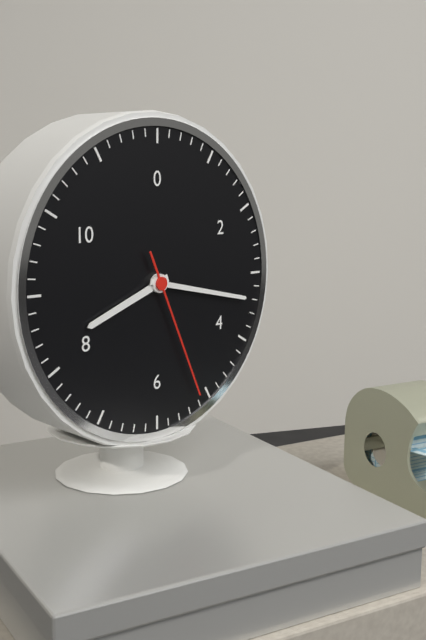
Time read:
8h17m26s
